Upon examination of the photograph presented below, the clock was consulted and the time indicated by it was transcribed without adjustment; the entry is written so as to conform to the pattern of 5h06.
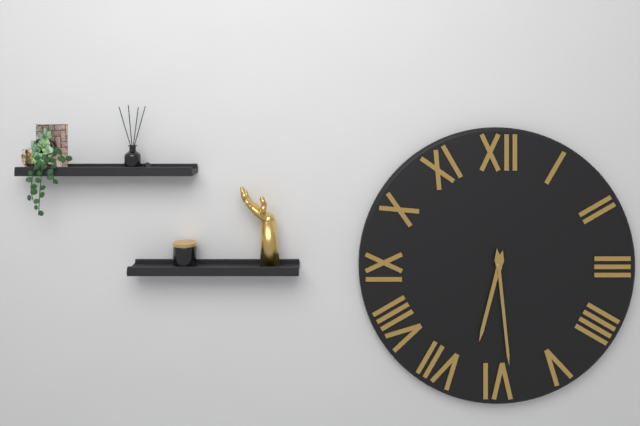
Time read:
6h29
